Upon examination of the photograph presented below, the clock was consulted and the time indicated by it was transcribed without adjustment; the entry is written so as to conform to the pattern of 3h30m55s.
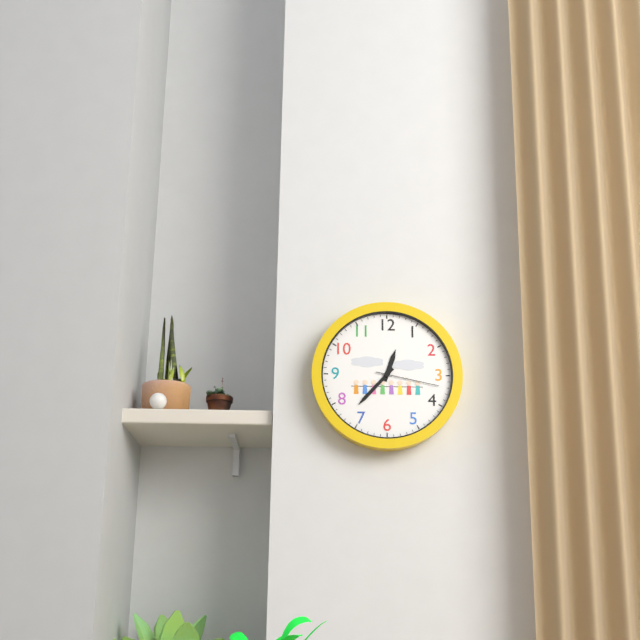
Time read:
12h37m17s
